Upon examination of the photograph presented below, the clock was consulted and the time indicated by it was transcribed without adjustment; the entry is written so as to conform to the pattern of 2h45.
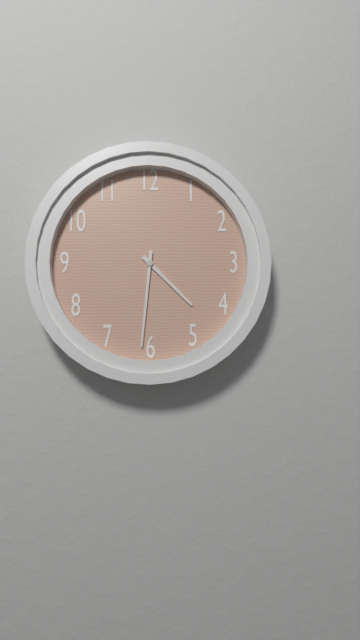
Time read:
4h31
